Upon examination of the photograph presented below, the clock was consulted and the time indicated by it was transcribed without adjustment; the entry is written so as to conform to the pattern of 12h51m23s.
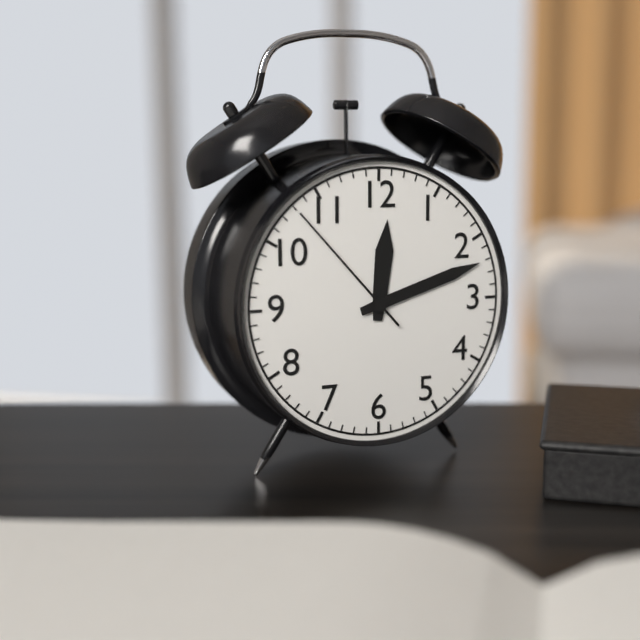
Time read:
12h12m53s
